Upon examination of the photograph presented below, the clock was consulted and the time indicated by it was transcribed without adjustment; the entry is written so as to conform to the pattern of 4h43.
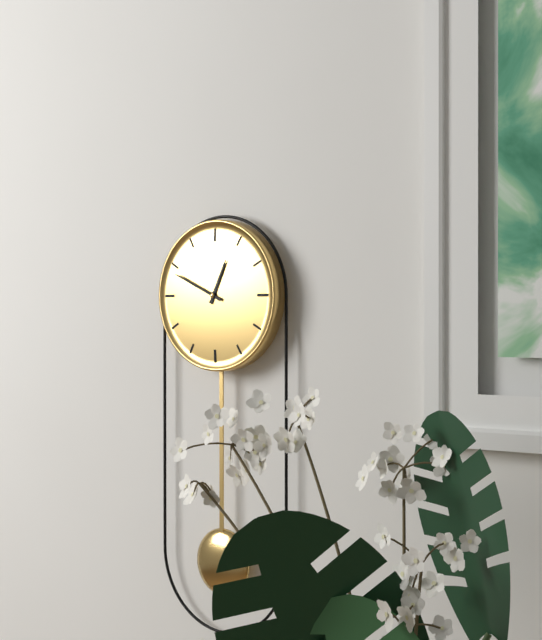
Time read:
12h49
